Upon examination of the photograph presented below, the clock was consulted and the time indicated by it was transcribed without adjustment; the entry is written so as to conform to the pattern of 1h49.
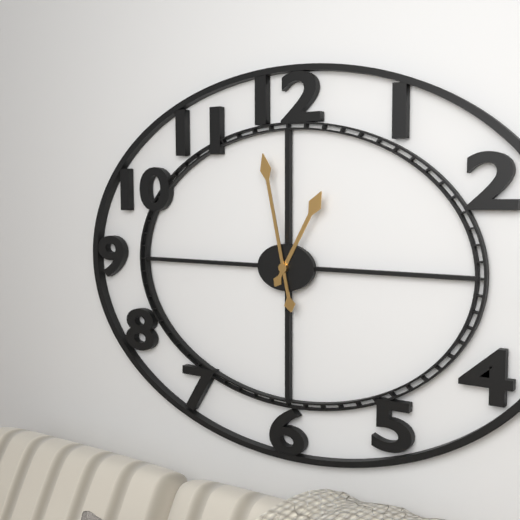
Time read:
12h58
